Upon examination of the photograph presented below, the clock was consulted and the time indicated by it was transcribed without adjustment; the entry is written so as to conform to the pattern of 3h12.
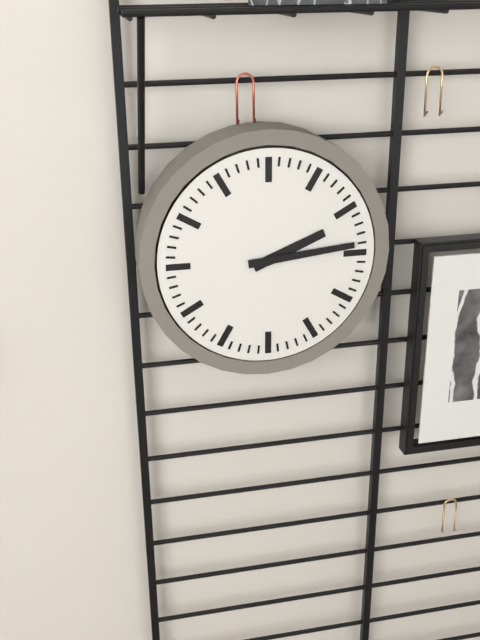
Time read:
2h14
